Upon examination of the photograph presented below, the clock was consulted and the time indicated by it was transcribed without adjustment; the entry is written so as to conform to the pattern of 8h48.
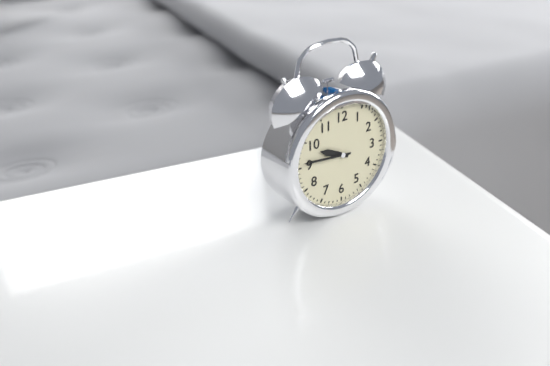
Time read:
9h46
